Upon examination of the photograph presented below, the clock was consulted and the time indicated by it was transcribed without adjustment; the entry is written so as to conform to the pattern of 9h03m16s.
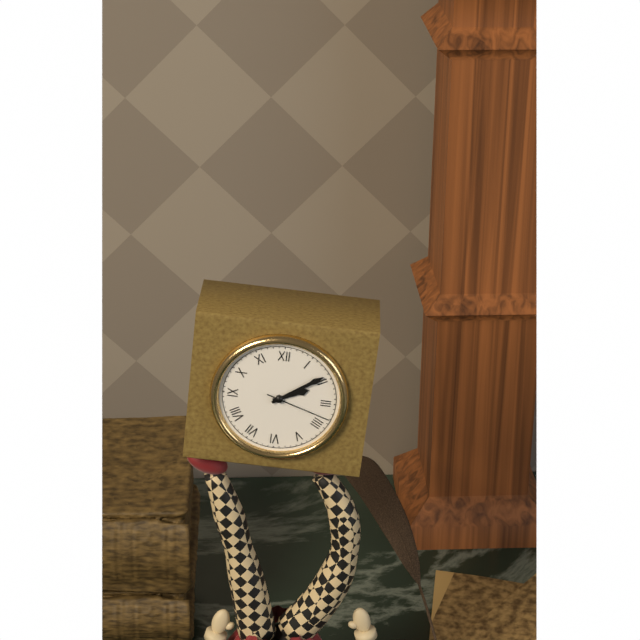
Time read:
2h09m18s
